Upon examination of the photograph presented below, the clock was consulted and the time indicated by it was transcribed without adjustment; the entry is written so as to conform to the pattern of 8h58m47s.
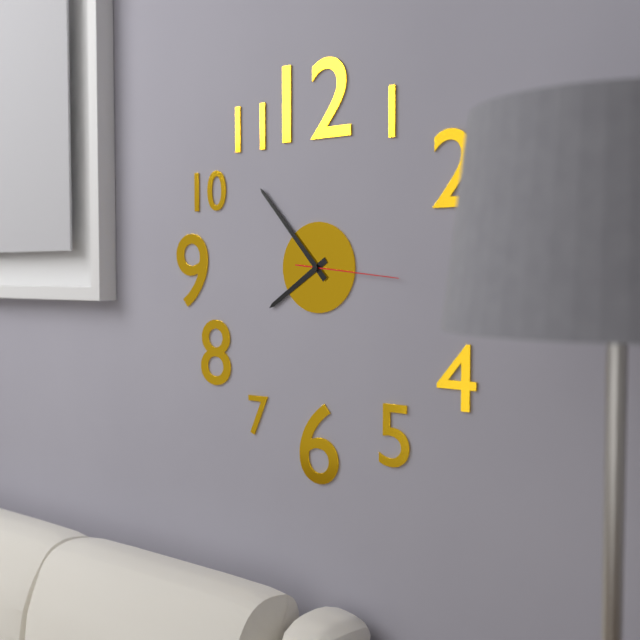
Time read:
7h53m16s
